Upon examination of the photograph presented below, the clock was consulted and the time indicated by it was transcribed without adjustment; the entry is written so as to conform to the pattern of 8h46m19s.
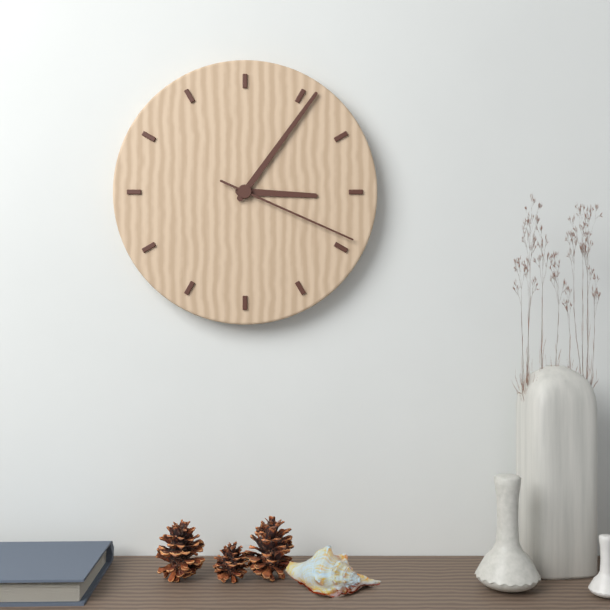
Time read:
3h06m19s
